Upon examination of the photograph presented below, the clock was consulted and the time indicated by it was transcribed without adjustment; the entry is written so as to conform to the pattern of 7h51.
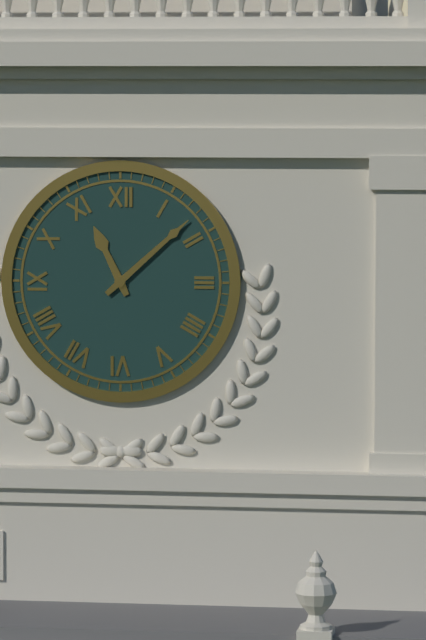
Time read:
11h08
